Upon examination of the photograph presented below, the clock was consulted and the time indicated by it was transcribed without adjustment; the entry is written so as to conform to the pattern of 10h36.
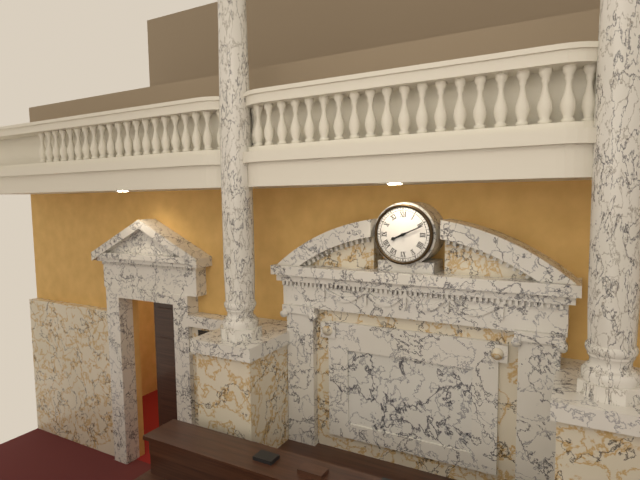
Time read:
8h11
